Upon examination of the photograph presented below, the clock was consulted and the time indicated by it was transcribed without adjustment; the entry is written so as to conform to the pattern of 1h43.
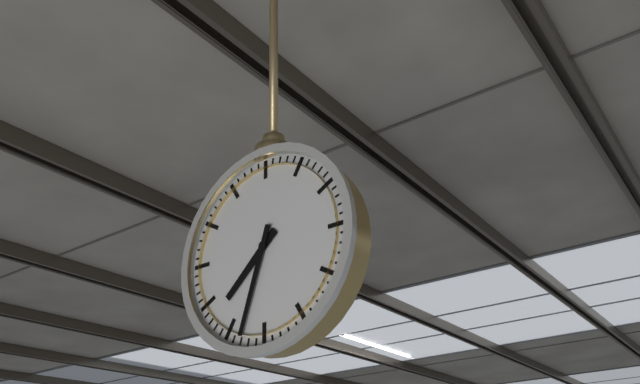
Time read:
7h33
